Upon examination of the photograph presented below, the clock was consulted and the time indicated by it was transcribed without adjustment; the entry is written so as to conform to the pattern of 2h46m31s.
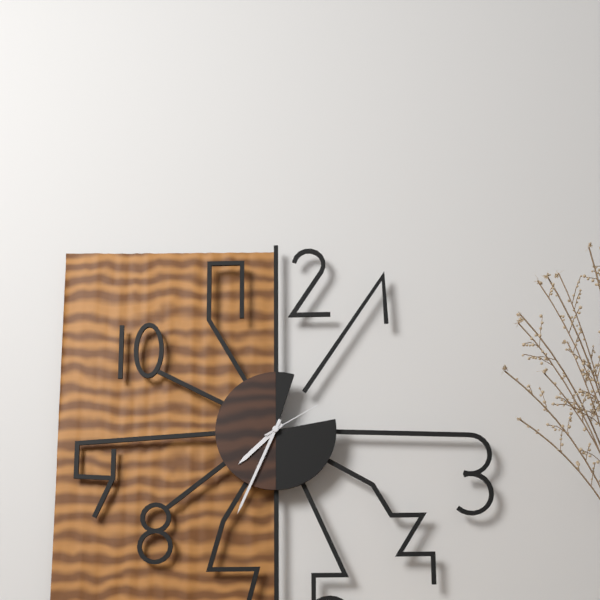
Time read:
7h34m10s
